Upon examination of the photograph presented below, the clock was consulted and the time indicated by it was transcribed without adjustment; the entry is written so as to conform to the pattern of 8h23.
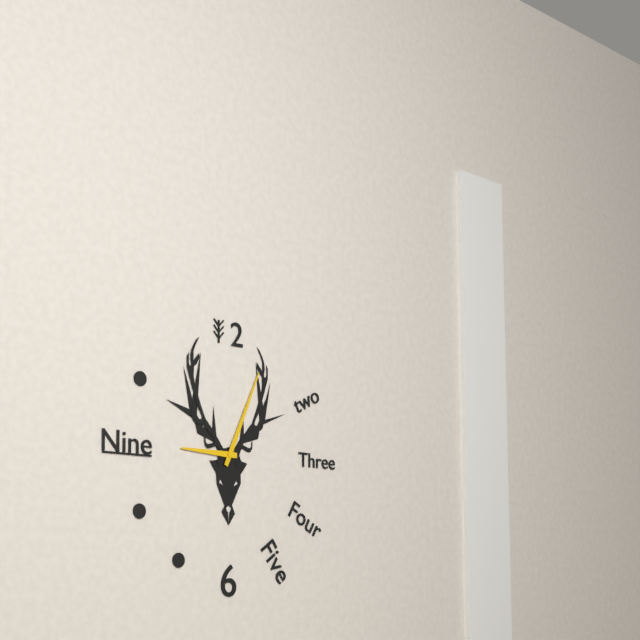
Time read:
9h04
